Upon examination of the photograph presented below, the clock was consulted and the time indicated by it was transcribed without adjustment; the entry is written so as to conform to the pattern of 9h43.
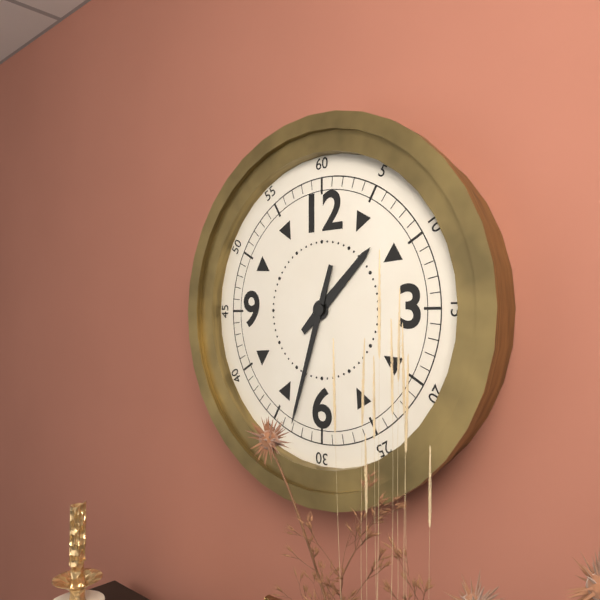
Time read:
1h33
